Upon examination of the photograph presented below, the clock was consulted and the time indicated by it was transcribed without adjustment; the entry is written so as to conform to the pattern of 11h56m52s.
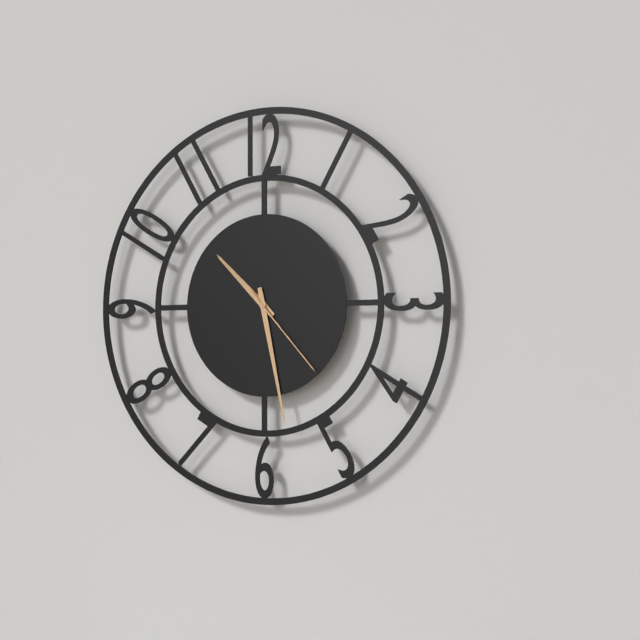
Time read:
10h28m23s
